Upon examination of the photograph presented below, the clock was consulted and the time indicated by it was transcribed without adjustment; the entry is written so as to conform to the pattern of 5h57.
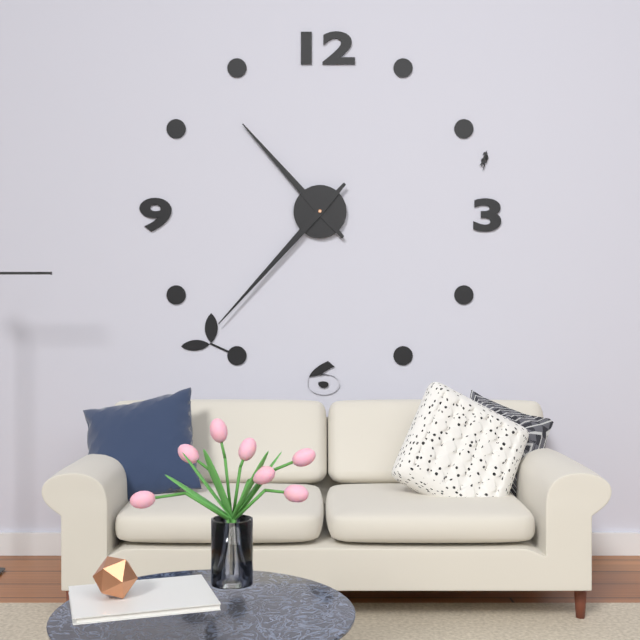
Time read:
10h37
